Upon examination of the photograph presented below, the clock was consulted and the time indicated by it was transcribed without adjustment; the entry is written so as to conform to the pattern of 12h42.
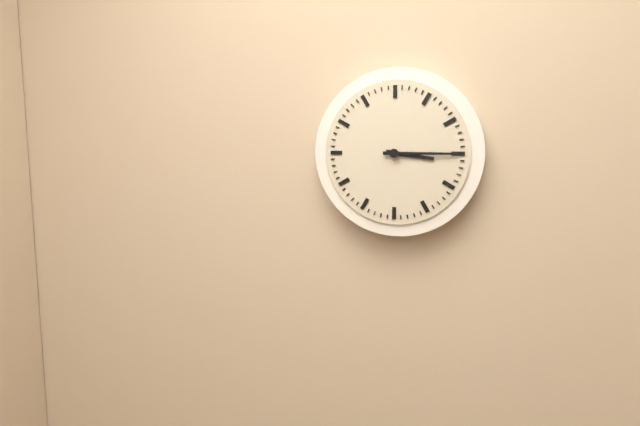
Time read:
3h15
